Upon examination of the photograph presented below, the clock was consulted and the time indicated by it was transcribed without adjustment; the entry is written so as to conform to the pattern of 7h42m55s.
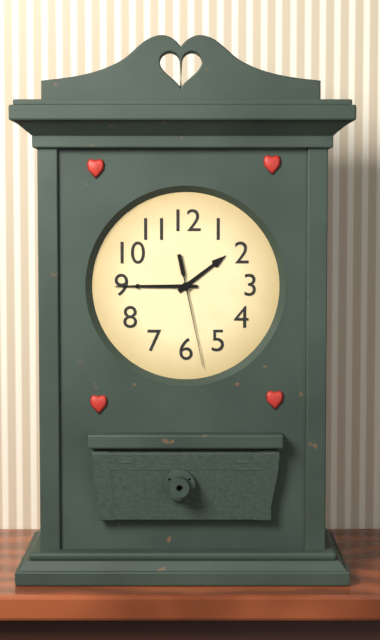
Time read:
1h45m28s
